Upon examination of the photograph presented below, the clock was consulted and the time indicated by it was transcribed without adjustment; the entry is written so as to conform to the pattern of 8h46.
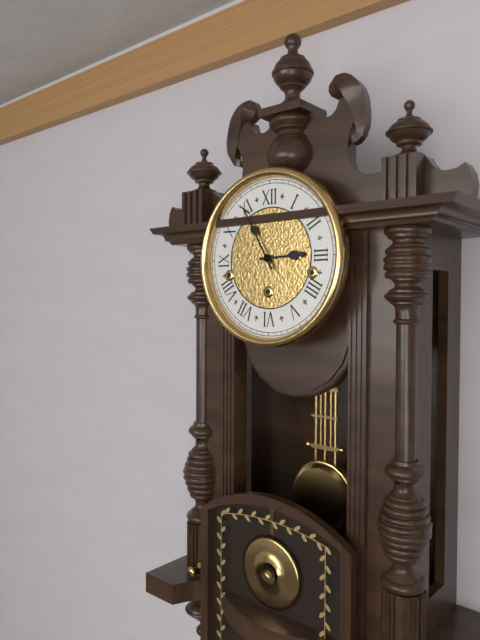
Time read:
2h55
